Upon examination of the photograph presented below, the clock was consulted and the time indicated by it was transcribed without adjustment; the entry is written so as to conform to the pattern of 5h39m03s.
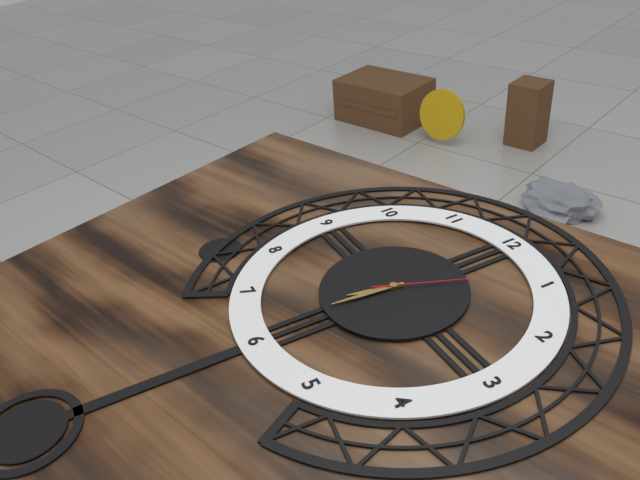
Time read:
6h31m04s
